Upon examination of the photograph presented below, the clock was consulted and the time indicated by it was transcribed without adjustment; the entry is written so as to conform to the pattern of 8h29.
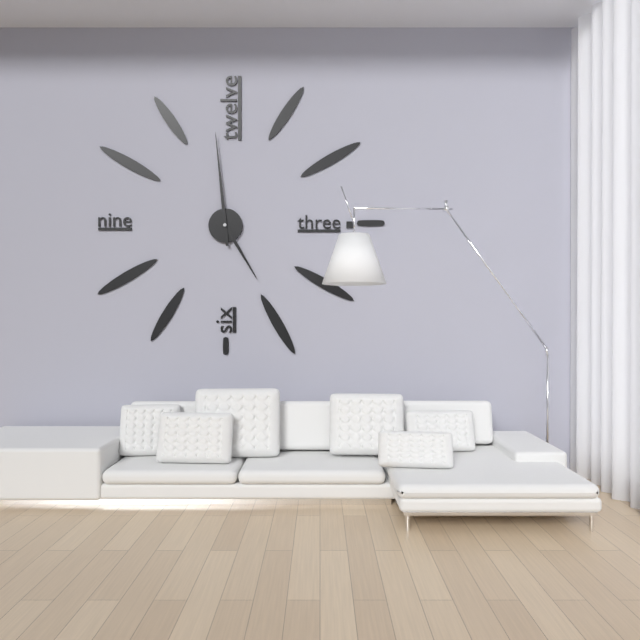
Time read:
4h59
